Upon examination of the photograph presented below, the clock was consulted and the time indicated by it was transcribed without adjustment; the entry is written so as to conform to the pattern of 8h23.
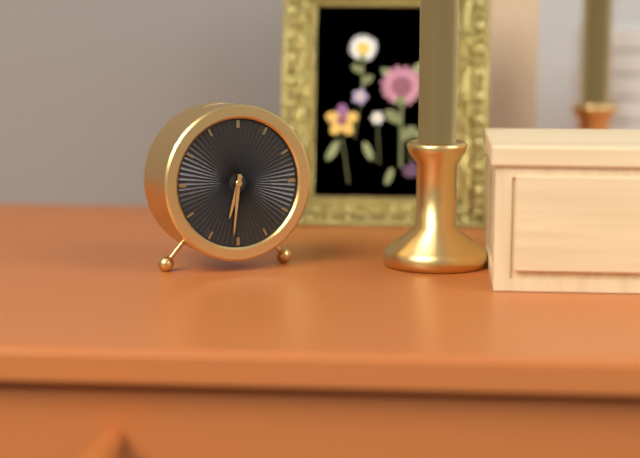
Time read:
6h31
